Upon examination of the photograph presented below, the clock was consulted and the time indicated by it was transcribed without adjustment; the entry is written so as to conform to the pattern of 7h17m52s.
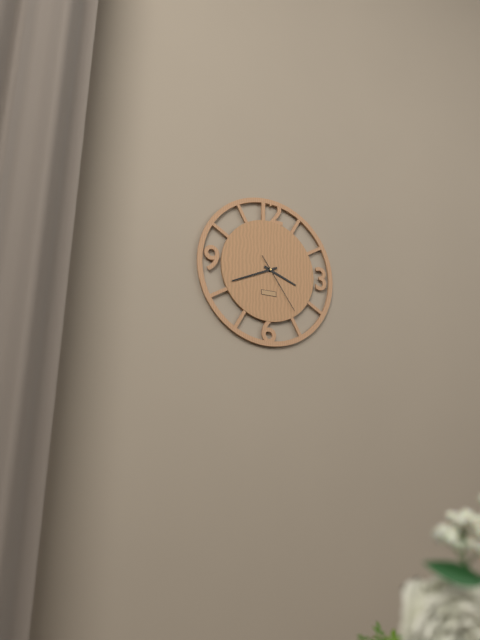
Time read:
3h41m24s
